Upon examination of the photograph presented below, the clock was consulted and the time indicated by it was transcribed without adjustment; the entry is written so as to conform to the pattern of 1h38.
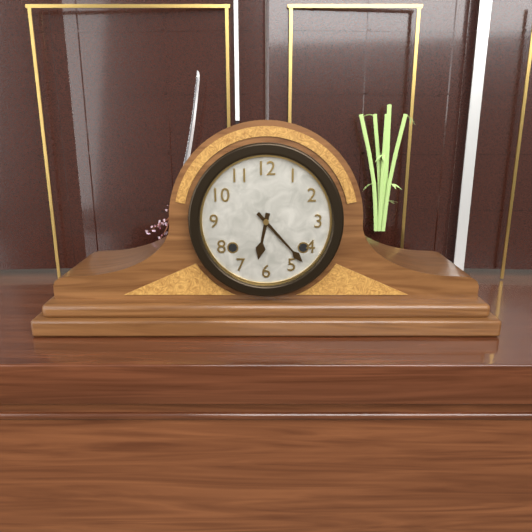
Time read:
6h23
